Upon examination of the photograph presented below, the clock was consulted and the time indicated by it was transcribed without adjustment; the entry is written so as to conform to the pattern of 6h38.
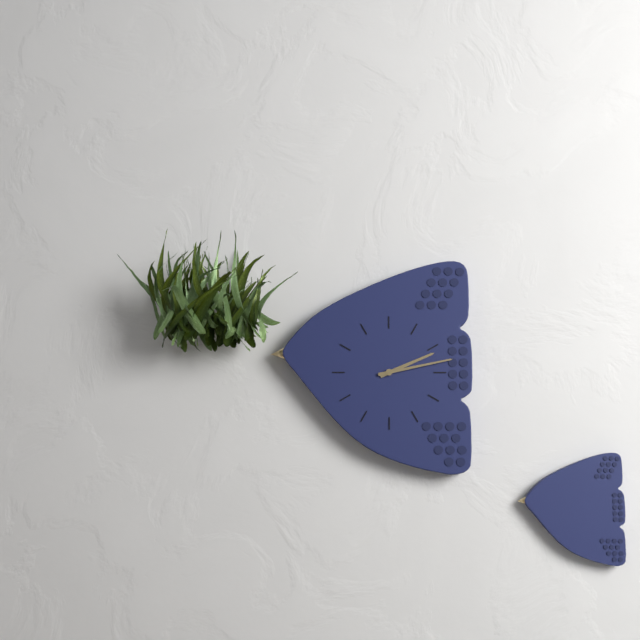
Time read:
2h13
